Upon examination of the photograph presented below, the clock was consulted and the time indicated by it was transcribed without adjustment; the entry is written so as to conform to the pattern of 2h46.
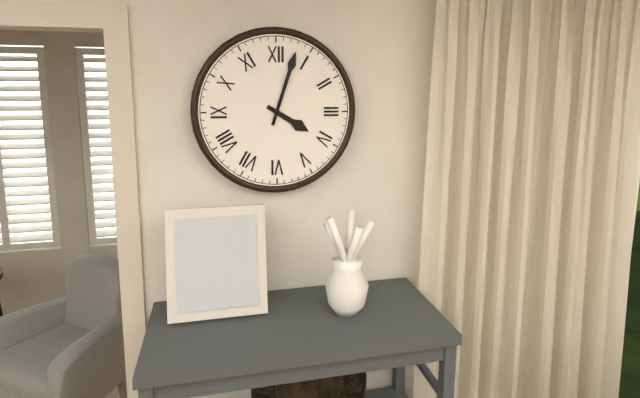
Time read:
4h03
